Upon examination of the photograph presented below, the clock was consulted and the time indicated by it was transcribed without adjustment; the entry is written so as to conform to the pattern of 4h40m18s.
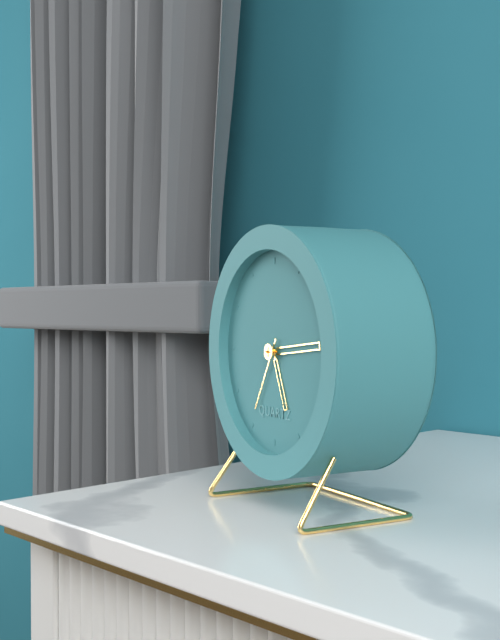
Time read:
5h14m35s
